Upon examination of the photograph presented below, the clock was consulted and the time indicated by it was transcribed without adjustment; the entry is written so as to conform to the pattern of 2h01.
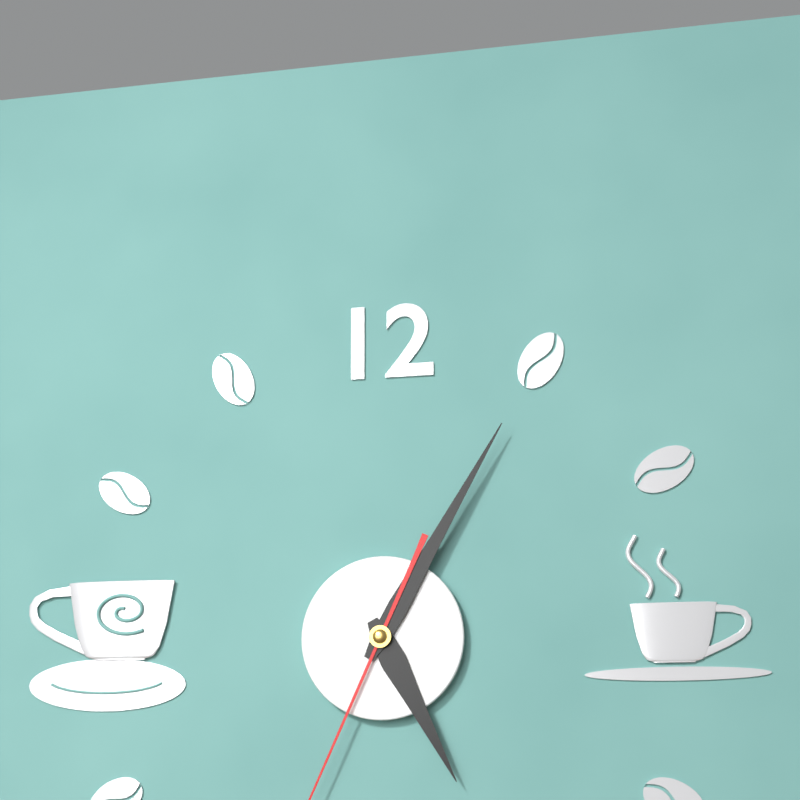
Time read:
5h05
